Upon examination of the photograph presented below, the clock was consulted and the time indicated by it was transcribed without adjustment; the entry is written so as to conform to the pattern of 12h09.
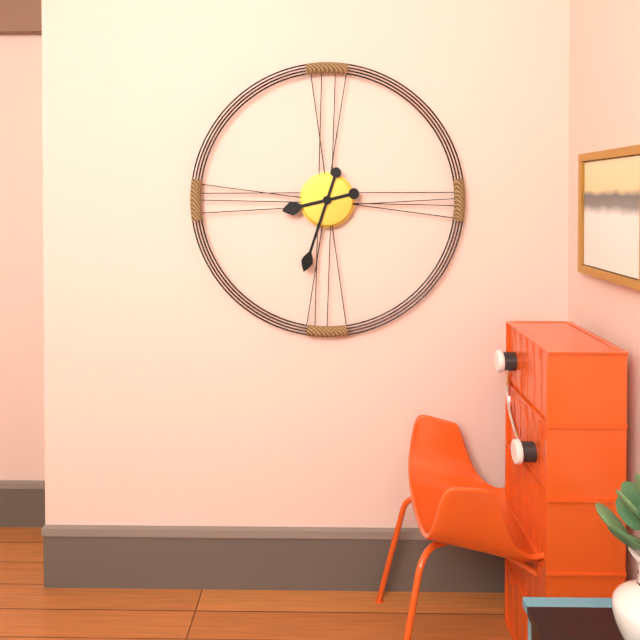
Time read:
8h33
